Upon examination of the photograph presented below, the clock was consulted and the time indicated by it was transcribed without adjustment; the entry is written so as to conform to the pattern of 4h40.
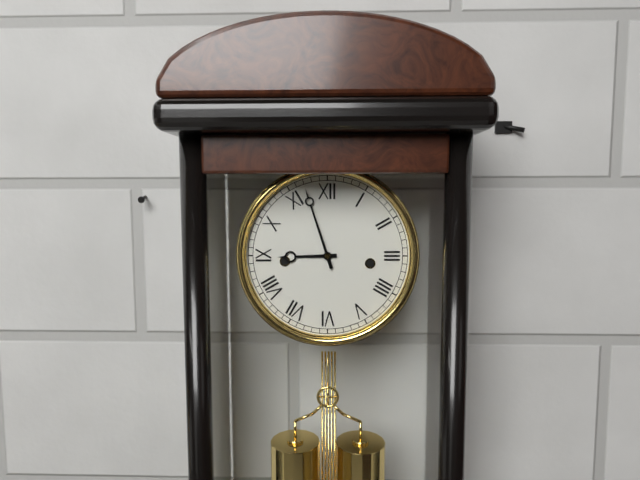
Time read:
8h57
